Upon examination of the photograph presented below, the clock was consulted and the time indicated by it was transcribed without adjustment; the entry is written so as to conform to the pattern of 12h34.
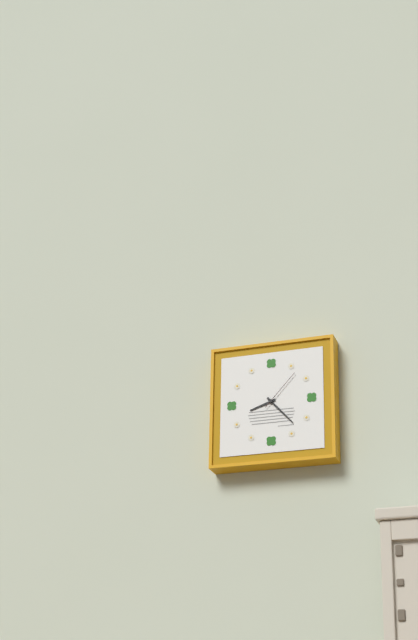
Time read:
8h23
